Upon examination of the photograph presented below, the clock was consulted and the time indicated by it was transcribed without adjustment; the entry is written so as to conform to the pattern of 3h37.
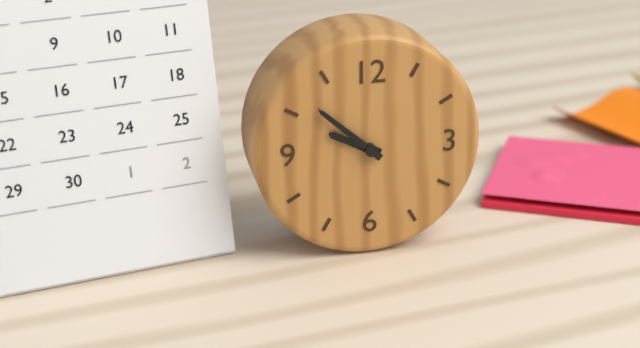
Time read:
9h52
